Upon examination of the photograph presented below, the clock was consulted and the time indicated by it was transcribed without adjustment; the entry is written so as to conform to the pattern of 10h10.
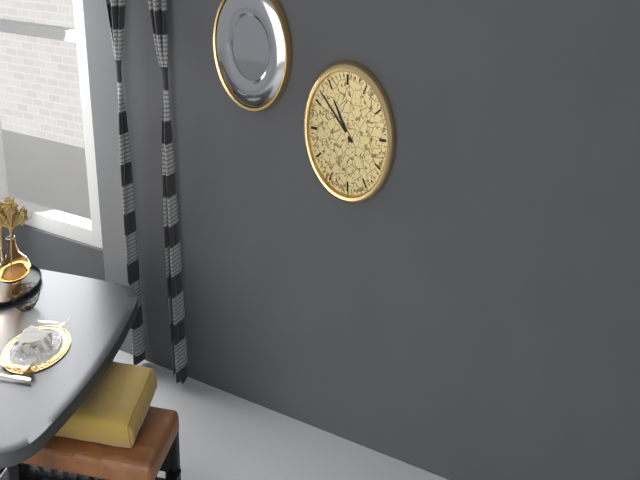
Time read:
10h52
